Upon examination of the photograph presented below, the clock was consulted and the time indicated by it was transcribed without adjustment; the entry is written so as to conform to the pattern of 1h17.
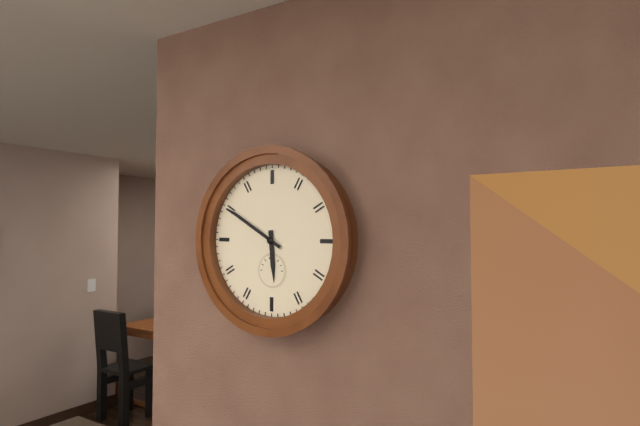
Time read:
5h50
